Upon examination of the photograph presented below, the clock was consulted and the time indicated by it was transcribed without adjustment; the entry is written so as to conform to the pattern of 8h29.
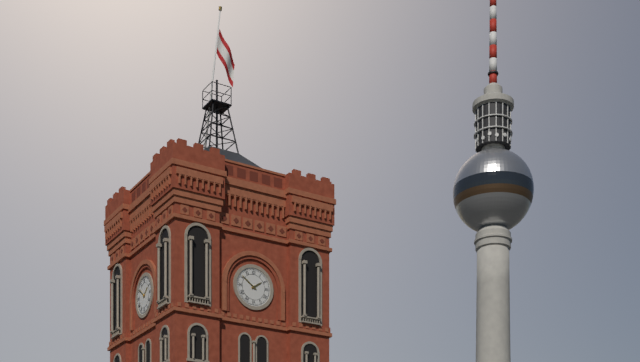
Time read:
1h51
